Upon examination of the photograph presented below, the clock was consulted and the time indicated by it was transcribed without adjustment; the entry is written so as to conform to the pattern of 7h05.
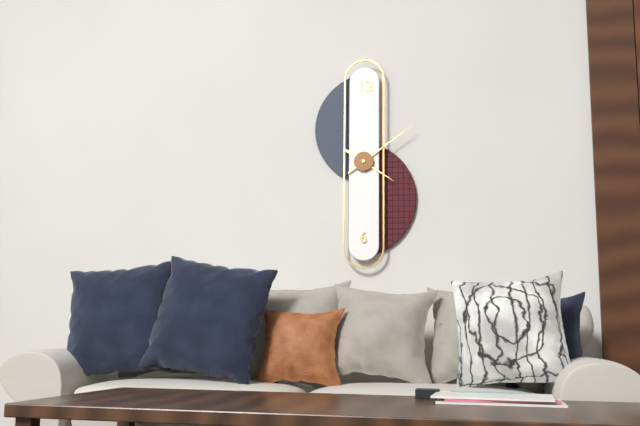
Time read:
4h09
